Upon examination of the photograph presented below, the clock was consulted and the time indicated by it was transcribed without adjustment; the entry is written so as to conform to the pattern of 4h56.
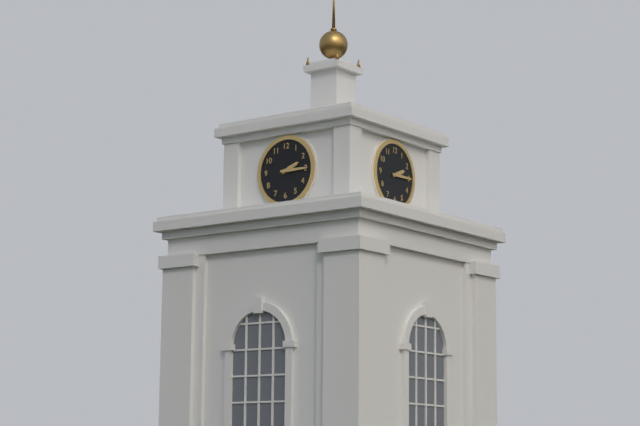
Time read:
2h15
